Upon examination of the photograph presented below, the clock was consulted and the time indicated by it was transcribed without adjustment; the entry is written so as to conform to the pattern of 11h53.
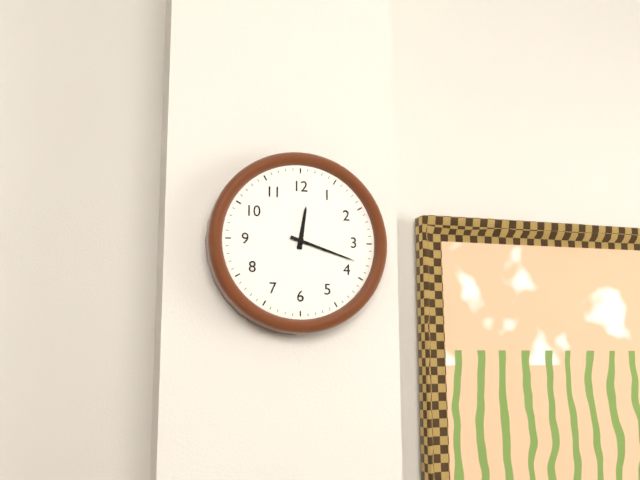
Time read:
12h18
